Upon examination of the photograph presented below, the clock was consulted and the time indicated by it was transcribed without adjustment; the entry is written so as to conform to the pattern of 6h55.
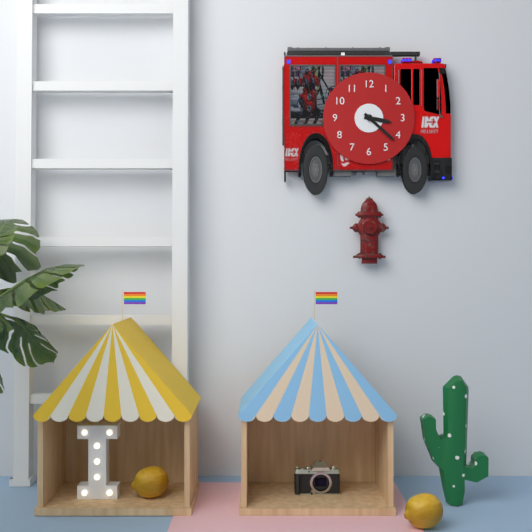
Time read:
3h22
